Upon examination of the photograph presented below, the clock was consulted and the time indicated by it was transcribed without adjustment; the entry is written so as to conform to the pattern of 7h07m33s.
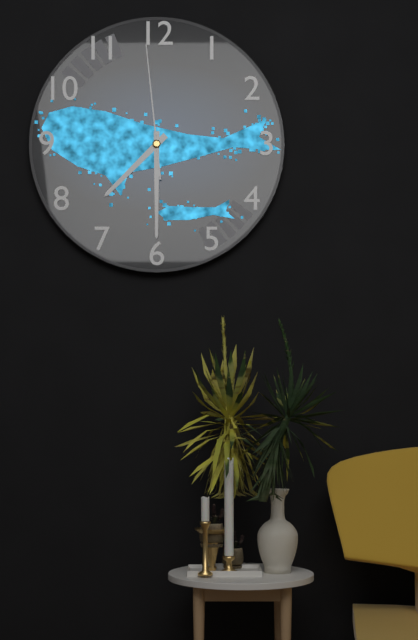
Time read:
7h30m59s
